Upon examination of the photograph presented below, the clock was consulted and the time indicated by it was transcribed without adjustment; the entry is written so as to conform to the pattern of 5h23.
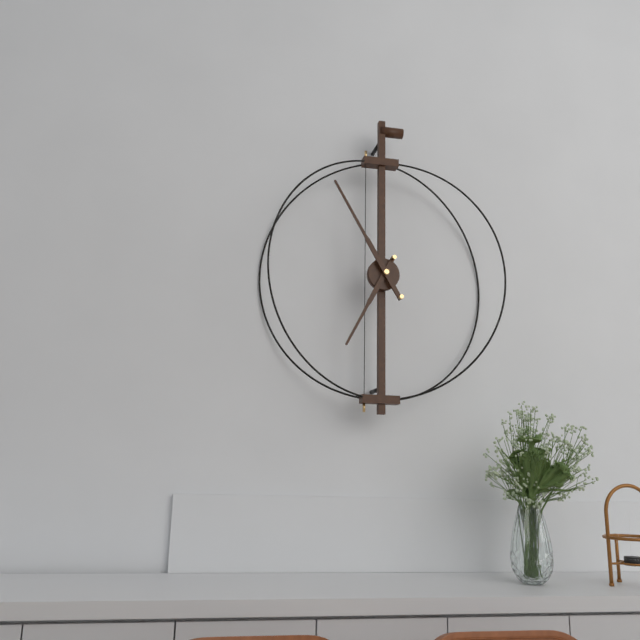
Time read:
6h55
